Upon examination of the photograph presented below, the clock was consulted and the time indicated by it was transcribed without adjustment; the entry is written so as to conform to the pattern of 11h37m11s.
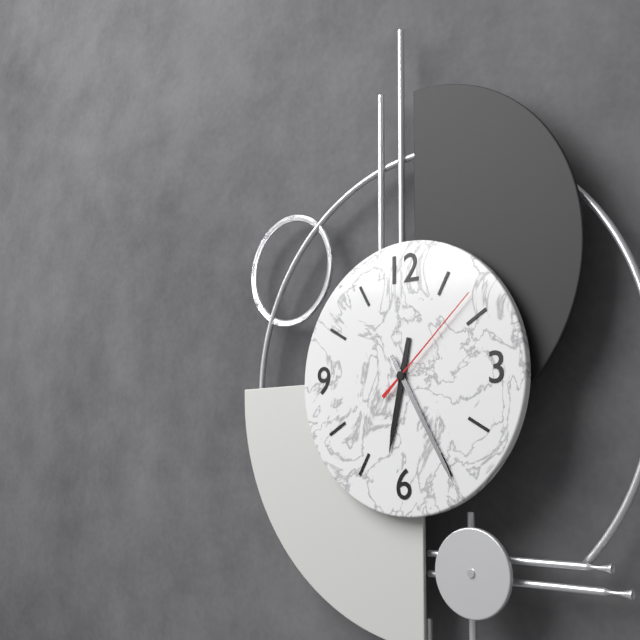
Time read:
6h25m08s
